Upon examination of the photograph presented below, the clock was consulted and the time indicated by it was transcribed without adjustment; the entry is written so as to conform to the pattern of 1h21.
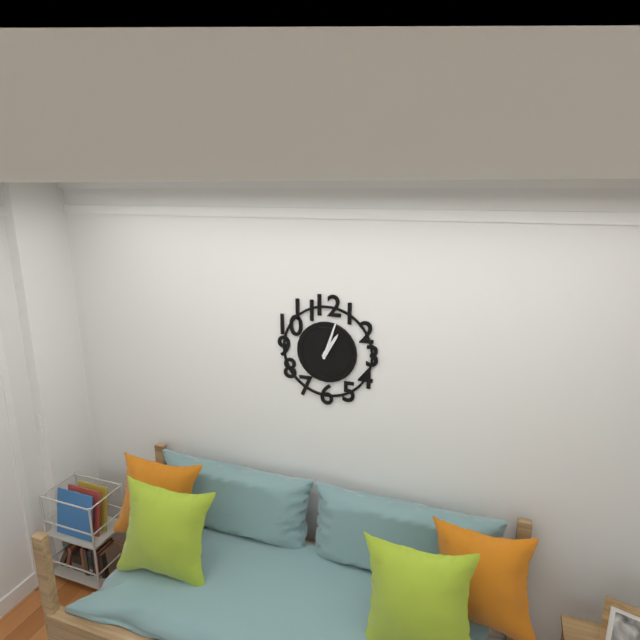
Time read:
1h03
